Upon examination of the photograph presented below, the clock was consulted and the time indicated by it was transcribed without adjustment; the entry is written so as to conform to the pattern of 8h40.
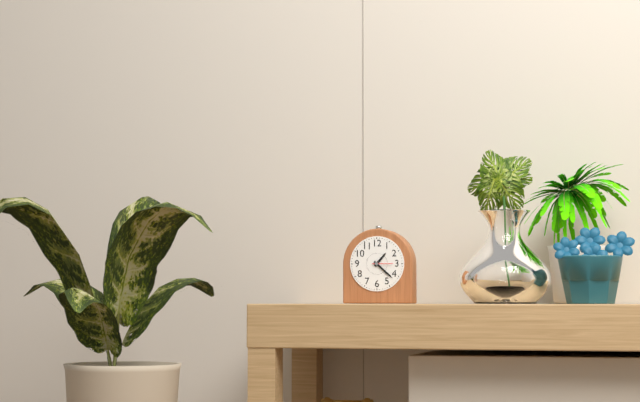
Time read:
1h22
